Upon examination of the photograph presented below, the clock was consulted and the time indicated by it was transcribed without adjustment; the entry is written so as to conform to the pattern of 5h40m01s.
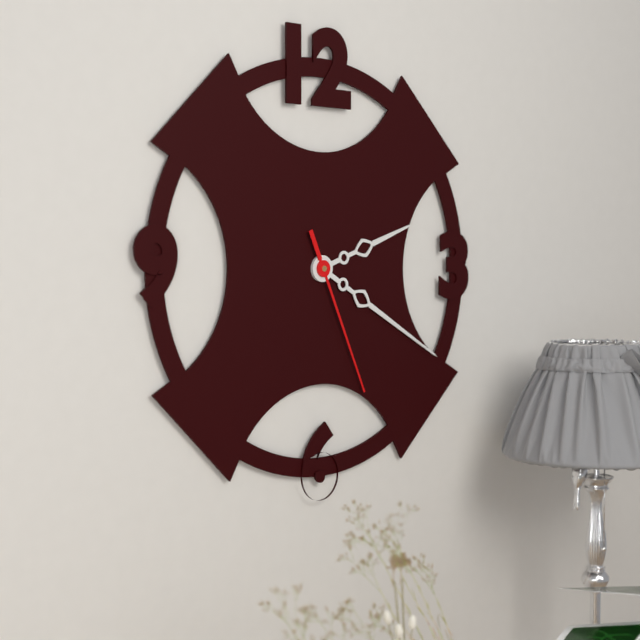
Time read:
2h20m26s
